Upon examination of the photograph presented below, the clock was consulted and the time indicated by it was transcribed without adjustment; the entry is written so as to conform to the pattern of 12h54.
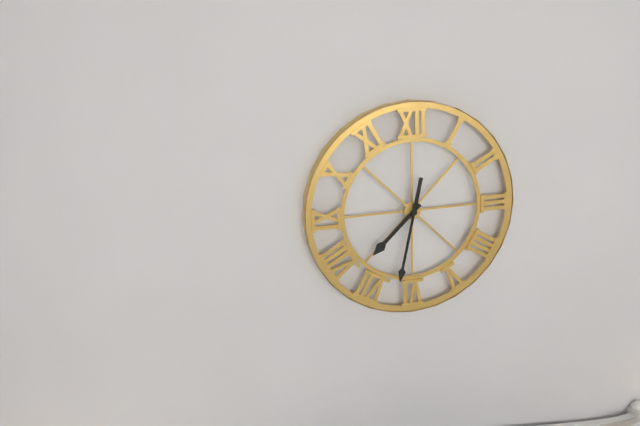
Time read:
7h32
